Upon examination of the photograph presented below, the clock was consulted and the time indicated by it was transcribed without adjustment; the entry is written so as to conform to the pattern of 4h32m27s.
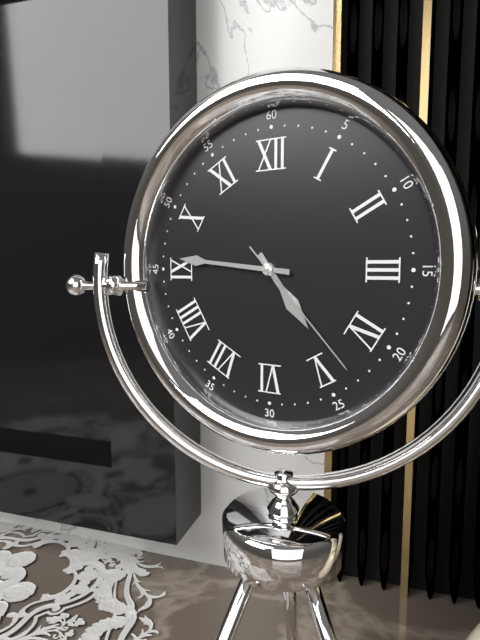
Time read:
4h46m23s
